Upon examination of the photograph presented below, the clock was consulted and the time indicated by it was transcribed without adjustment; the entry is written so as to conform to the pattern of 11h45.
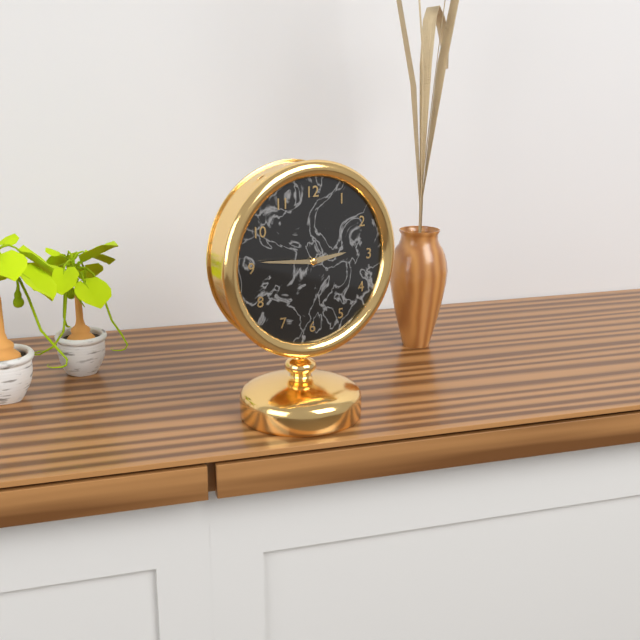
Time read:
2h46
